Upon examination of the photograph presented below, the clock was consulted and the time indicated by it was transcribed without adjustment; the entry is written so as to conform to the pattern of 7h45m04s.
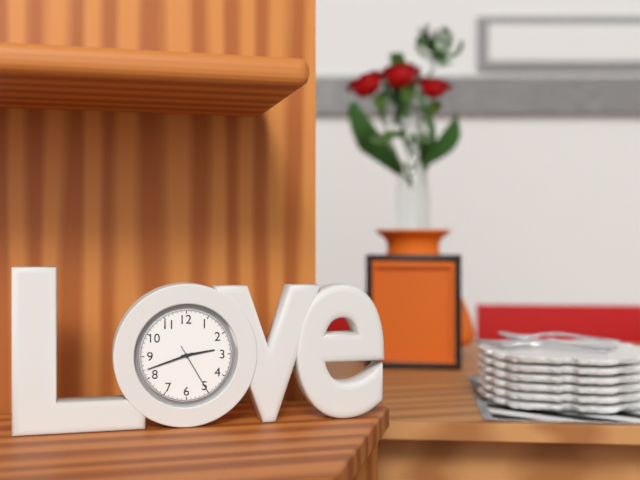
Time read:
2h42m25s
